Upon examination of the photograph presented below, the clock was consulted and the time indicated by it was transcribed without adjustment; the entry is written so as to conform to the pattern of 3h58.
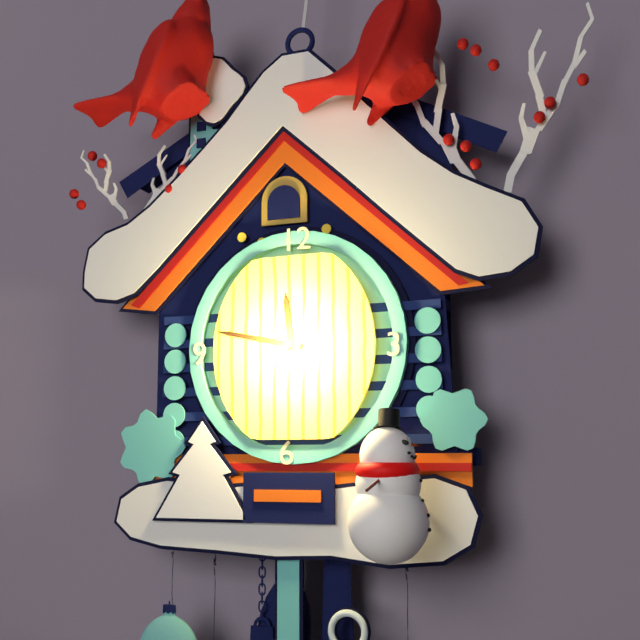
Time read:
11h47
